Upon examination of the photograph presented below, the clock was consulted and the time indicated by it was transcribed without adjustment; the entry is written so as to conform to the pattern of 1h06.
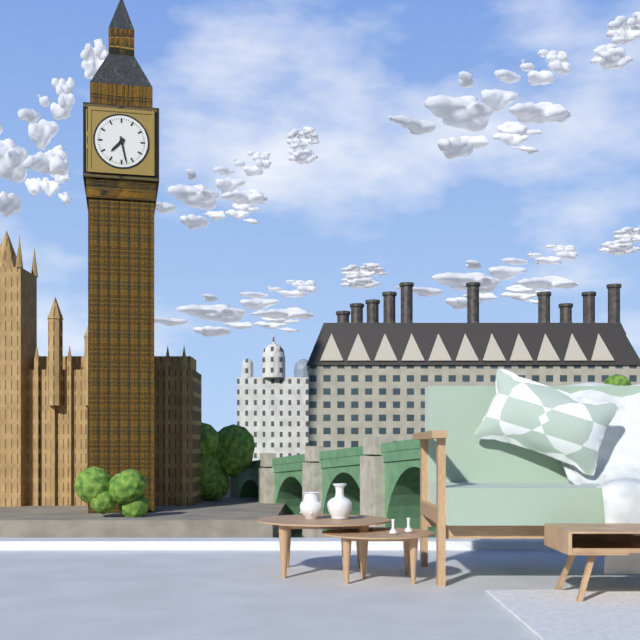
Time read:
7h28
